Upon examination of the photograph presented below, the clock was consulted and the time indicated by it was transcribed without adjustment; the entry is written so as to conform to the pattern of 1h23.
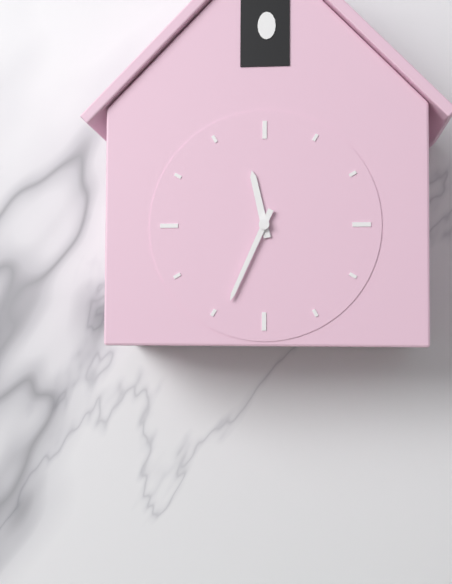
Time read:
11h34
